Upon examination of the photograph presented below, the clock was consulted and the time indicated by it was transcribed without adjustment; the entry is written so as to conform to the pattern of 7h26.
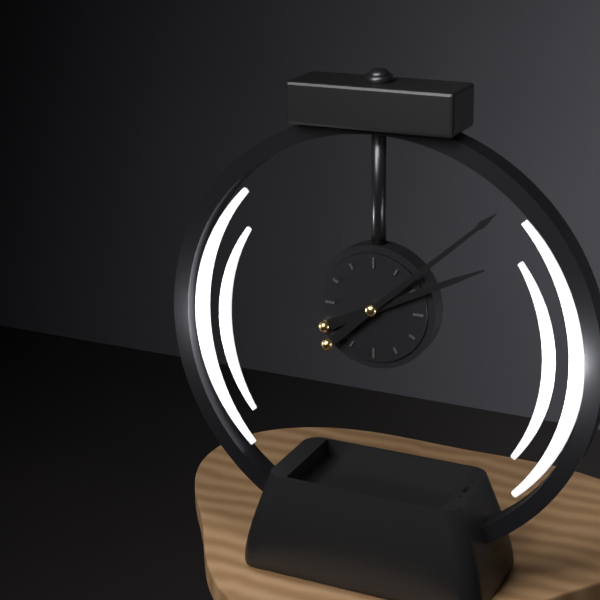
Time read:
2h08
